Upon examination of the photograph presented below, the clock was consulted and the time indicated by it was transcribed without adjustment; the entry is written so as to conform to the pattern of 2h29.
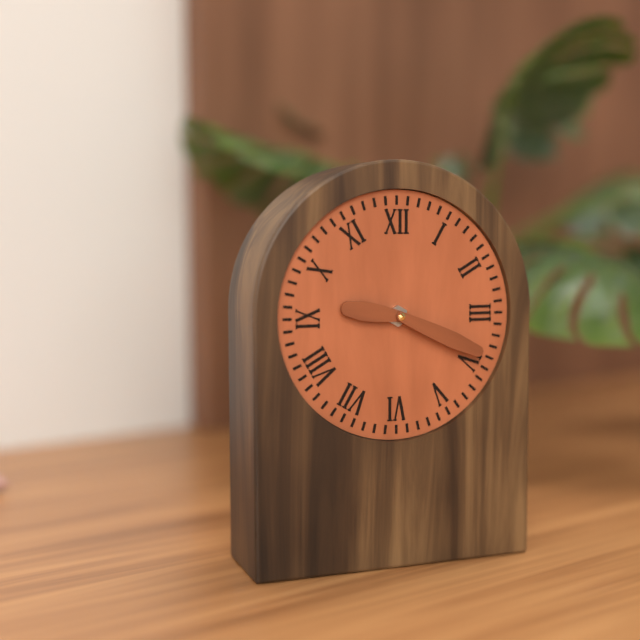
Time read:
9h19
